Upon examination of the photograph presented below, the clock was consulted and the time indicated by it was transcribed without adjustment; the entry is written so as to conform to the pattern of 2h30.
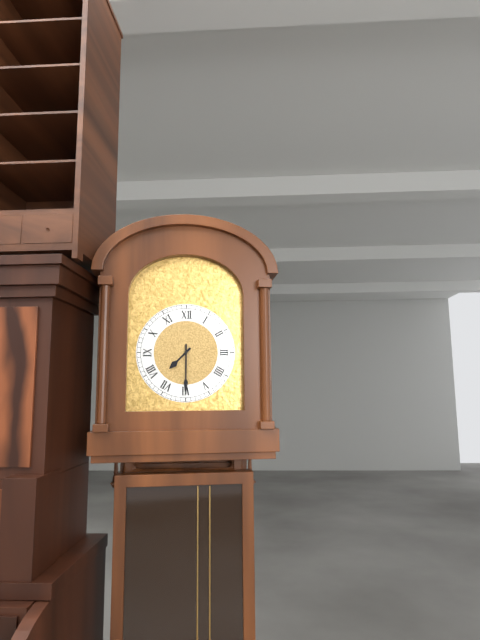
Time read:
7h30
